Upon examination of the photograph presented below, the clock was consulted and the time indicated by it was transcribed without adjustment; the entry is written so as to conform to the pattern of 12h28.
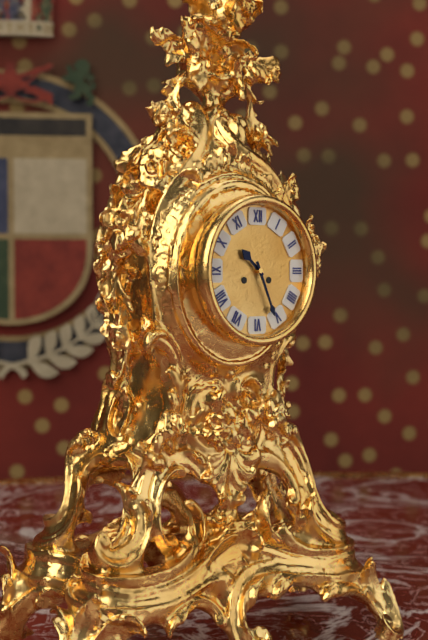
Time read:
10h26
